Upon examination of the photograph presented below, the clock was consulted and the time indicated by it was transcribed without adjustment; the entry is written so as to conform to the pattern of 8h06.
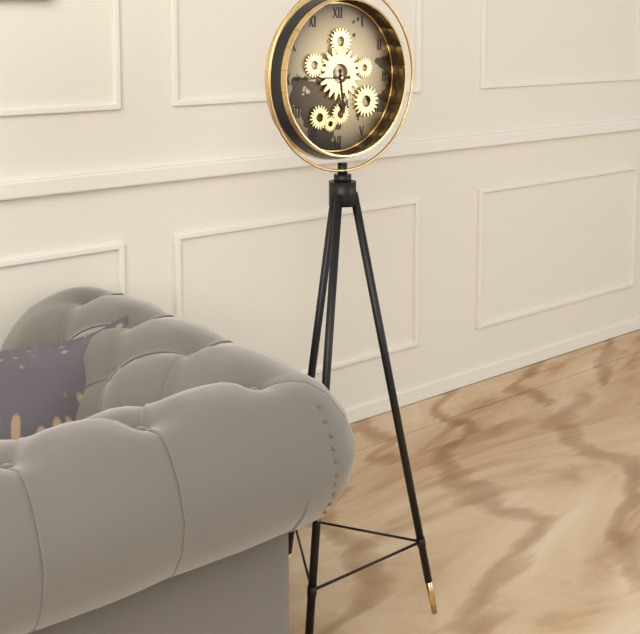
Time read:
5h45
